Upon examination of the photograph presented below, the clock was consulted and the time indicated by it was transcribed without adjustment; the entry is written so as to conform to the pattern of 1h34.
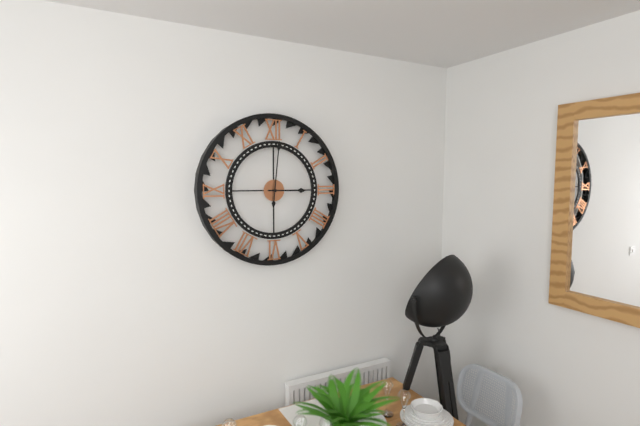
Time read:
3h01
